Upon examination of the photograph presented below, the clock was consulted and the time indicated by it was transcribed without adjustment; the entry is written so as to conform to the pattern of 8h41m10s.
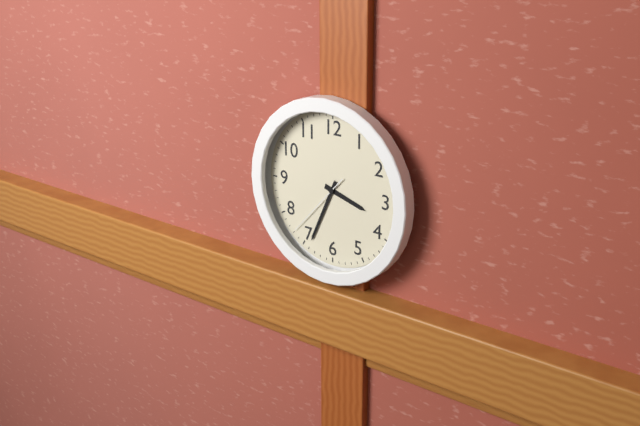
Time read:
3h34m37s
